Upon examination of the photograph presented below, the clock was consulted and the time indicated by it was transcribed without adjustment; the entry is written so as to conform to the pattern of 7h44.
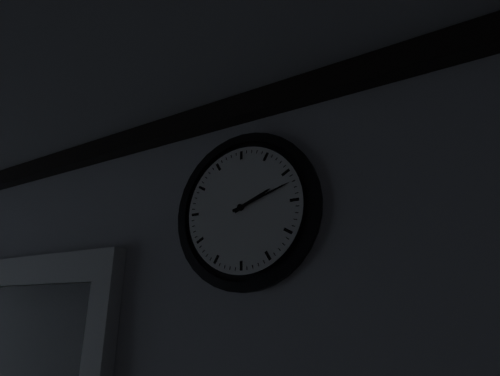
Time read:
2h12
